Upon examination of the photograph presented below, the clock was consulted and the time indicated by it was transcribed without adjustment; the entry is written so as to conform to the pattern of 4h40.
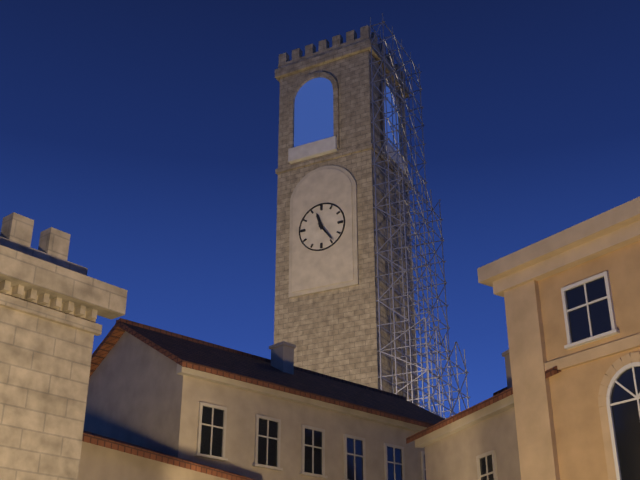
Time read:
11h24
